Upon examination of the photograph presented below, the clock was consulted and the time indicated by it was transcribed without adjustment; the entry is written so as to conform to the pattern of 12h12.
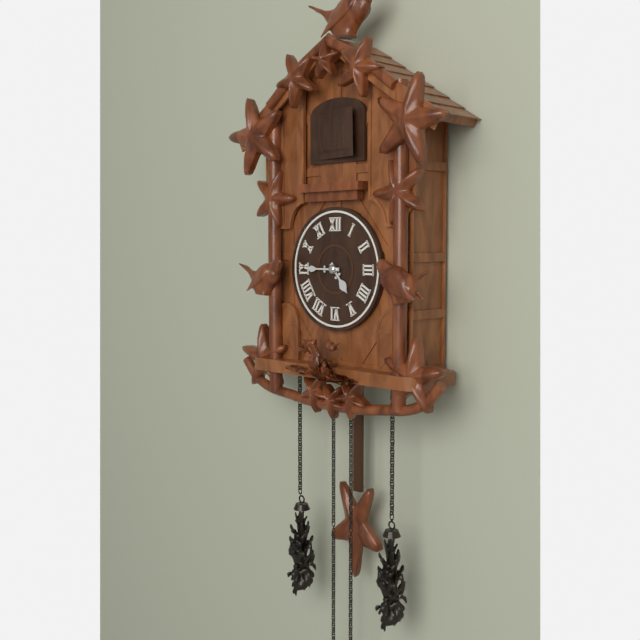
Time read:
4h45
